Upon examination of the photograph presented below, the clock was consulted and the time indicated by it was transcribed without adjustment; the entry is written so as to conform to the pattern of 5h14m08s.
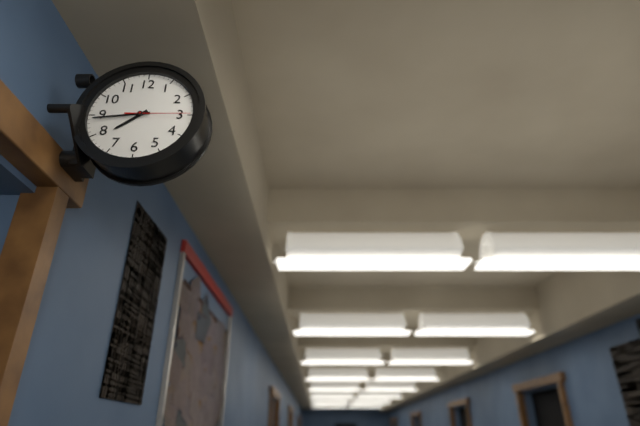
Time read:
7h44m15s
